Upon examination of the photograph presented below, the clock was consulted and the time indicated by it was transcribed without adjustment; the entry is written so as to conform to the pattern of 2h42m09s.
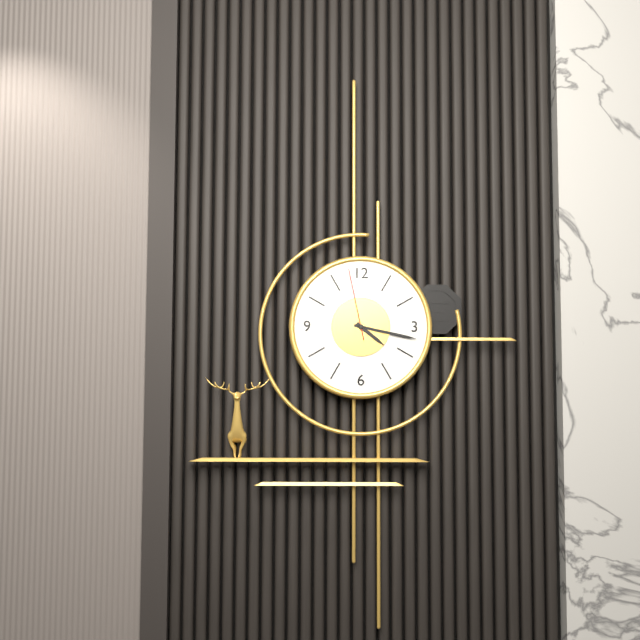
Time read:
4h17m58s
